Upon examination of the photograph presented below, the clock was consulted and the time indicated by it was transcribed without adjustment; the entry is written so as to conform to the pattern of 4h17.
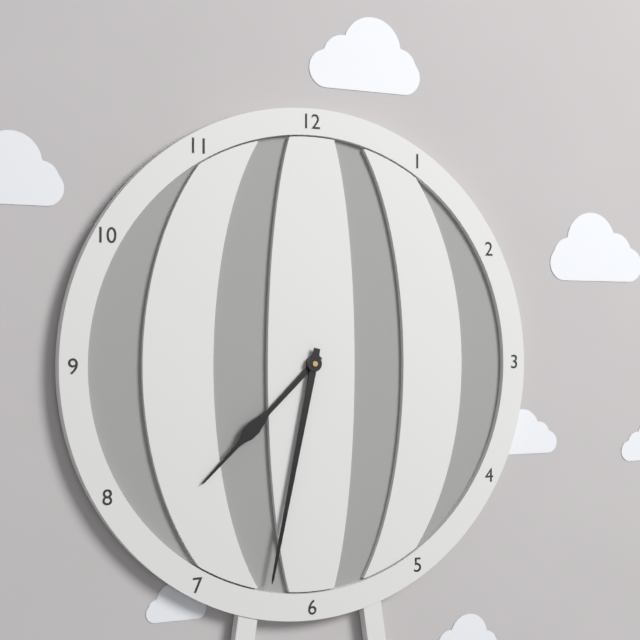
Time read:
7h32
